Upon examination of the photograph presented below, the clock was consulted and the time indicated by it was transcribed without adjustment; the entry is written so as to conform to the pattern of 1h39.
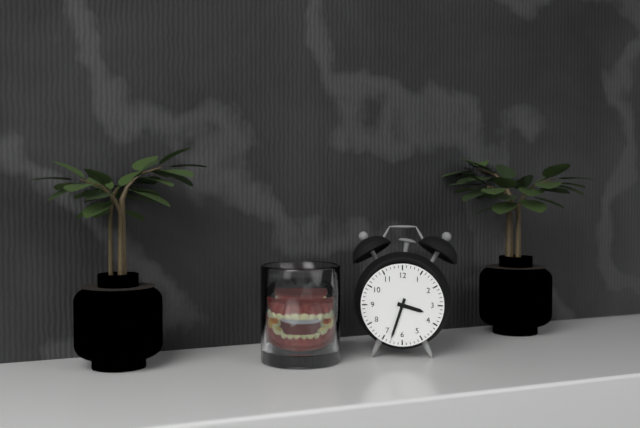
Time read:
3h33
